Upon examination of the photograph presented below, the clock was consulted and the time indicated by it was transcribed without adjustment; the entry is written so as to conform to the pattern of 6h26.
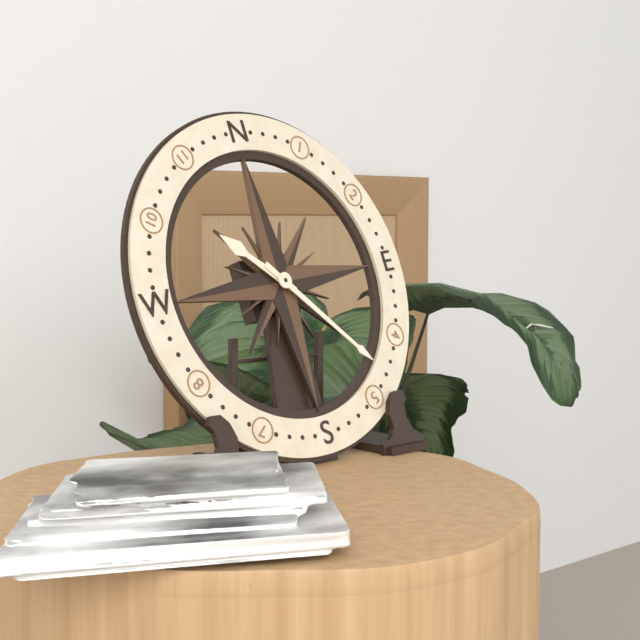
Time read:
10h23
